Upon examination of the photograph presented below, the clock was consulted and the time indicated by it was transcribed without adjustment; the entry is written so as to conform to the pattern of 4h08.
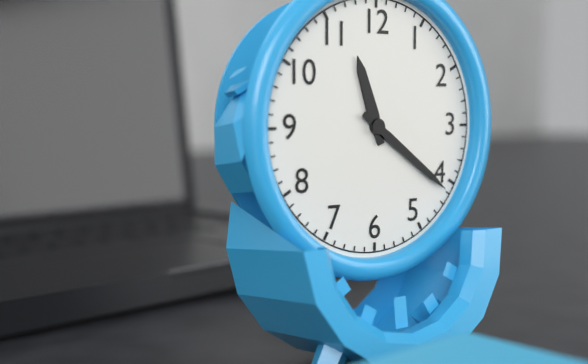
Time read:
11h21
